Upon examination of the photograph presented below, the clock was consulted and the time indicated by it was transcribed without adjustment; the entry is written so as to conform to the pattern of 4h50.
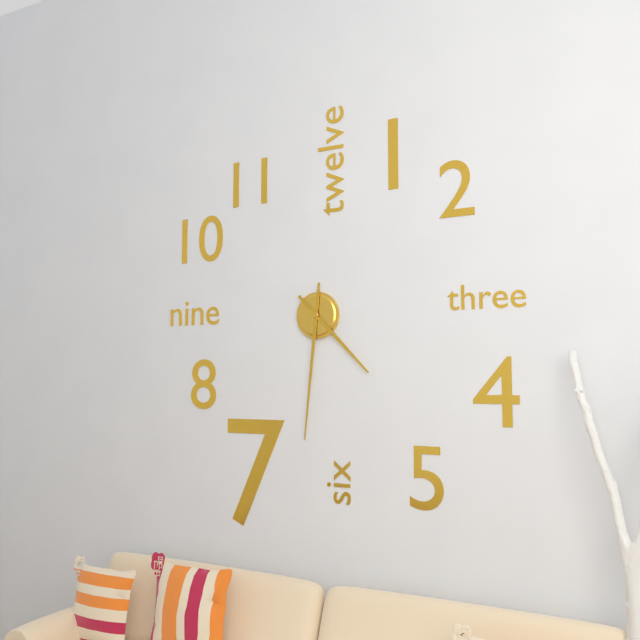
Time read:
4h31
